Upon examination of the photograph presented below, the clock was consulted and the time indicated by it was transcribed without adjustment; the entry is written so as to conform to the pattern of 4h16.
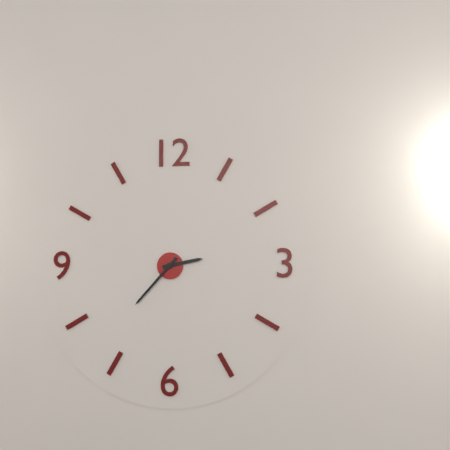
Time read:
2h37
